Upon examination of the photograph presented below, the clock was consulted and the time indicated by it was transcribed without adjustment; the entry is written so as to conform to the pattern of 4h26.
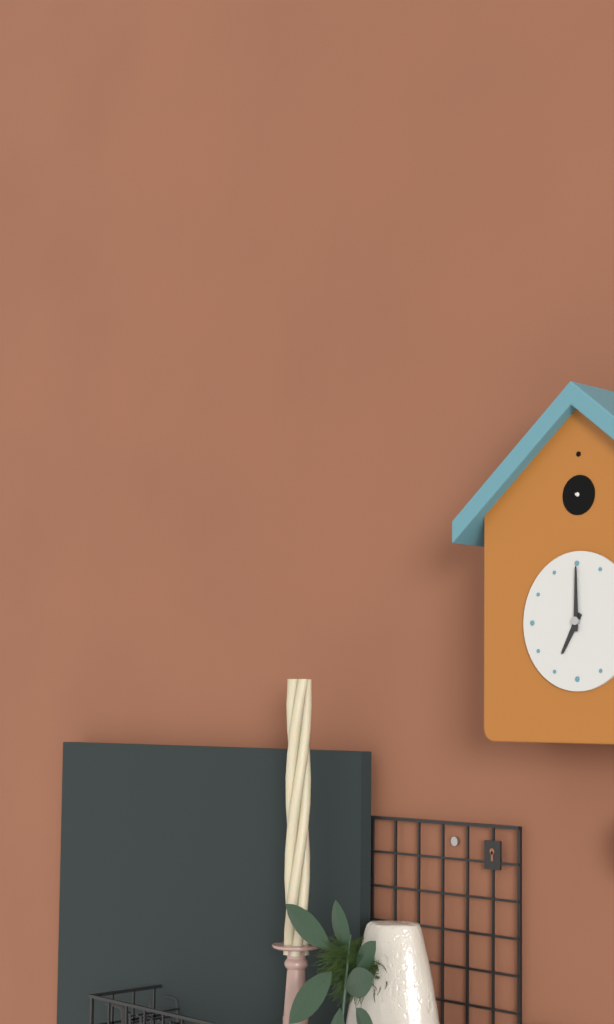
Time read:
7h00
